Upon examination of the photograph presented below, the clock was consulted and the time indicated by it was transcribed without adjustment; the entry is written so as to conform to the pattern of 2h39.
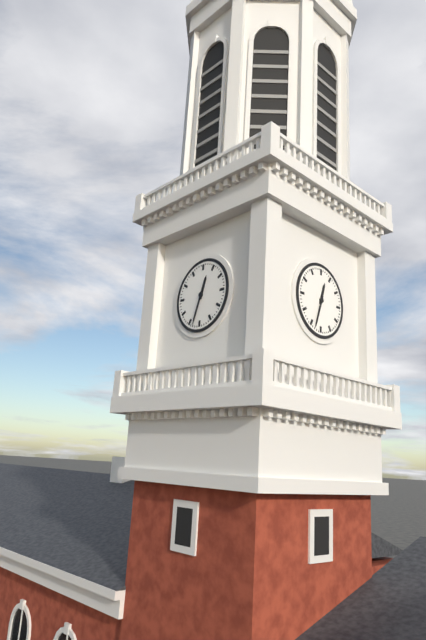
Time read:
12h33
